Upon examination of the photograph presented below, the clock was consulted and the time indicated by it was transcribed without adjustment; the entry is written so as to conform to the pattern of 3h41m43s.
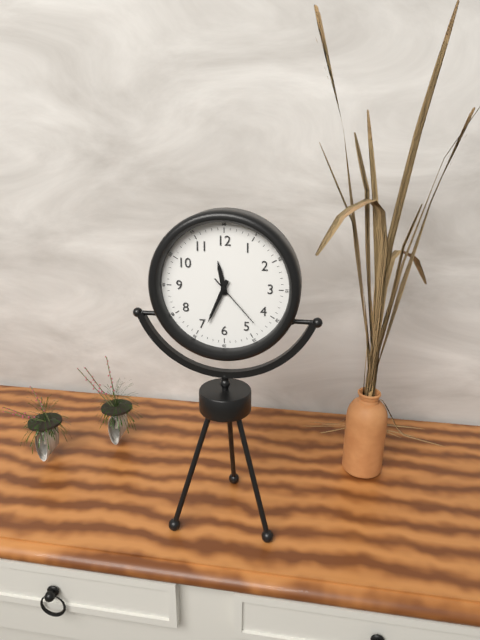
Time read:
11h34m23s
